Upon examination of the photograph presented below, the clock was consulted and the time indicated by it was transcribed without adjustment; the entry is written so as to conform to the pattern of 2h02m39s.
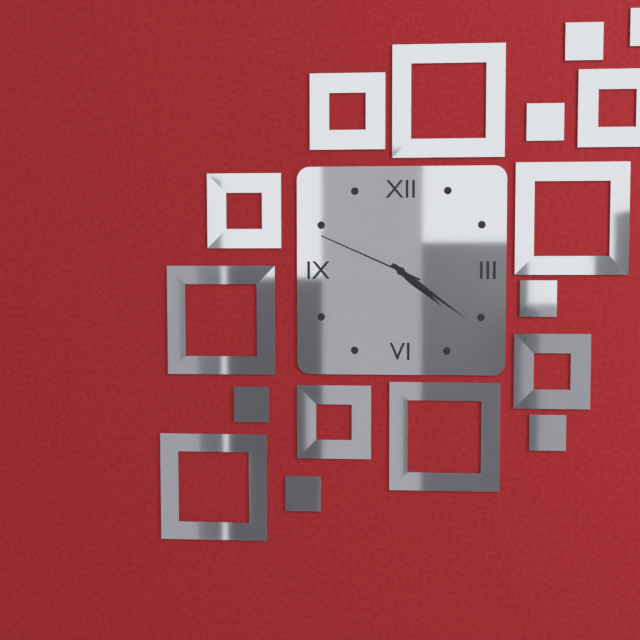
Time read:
4h21m49s
